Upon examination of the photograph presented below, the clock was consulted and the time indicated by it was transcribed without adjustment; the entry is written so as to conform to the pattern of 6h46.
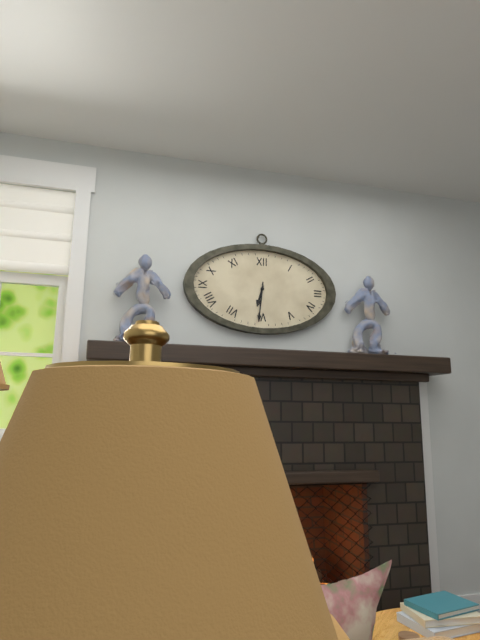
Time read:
6h31
